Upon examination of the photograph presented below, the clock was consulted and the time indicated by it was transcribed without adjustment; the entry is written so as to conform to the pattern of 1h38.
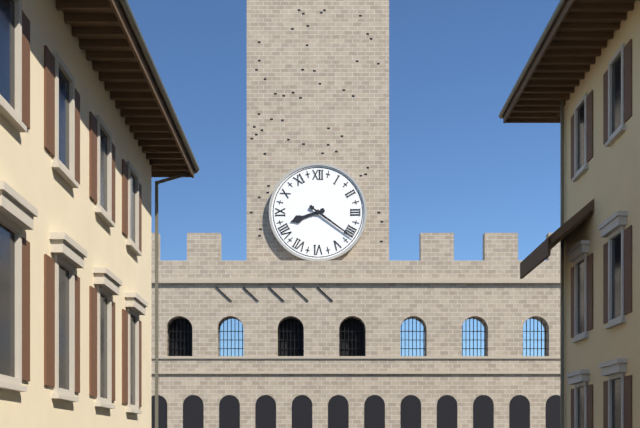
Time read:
8h21
